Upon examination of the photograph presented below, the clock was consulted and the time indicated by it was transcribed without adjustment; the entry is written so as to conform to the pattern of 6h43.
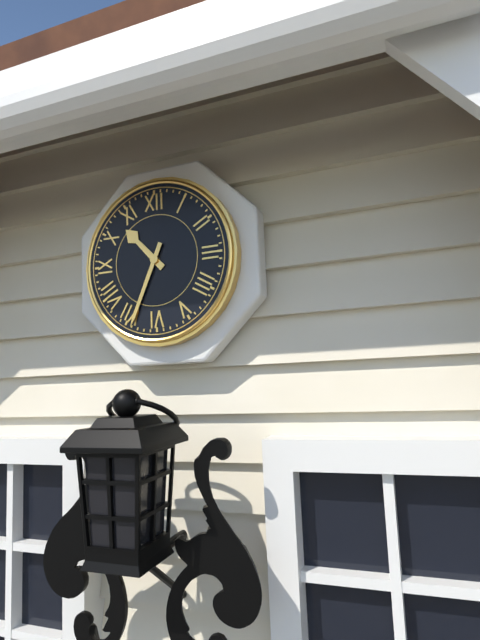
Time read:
10h34
